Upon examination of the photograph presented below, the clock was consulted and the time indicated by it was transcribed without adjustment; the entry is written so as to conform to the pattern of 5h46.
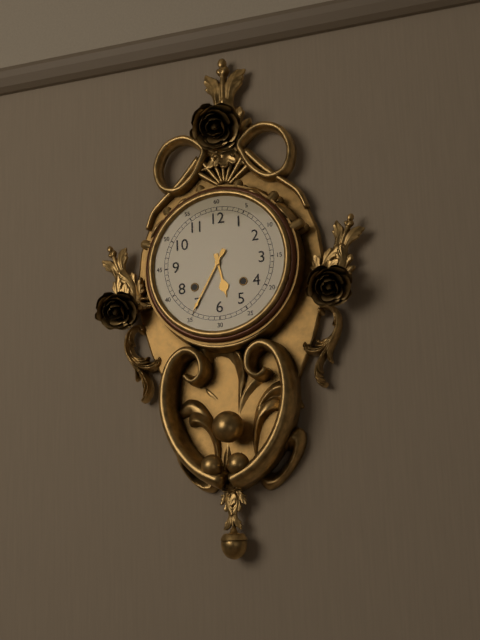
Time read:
5h35
